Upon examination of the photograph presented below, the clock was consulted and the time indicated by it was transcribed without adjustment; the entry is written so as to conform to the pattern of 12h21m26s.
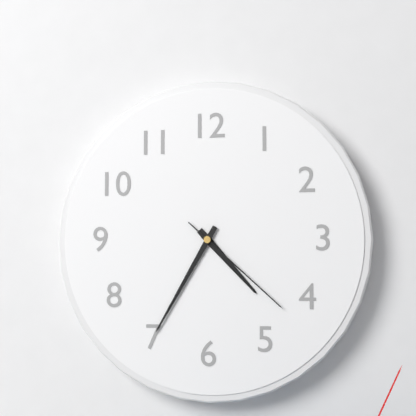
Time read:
4h35m22s
